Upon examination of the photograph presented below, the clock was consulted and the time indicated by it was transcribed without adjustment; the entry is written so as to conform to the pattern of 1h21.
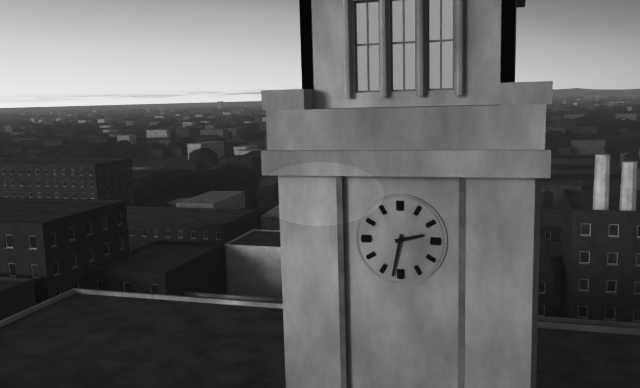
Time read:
2h32
